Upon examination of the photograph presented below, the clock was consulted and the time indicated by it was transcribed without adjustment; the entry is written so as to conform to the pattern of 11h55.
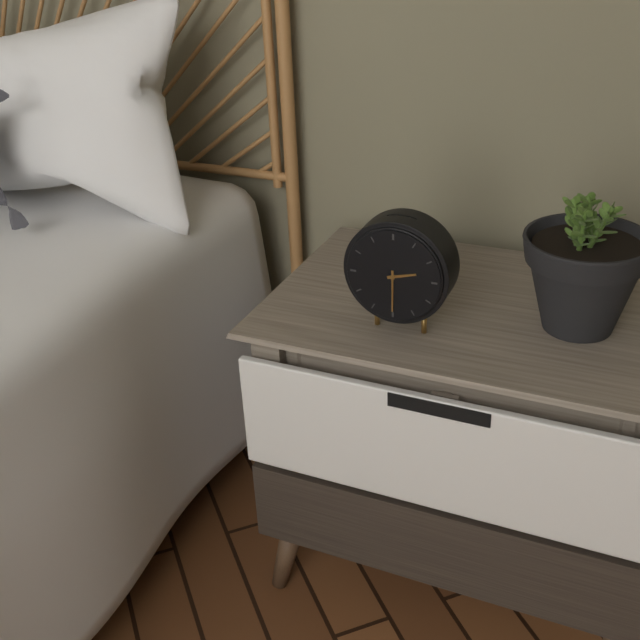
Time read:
2h30
